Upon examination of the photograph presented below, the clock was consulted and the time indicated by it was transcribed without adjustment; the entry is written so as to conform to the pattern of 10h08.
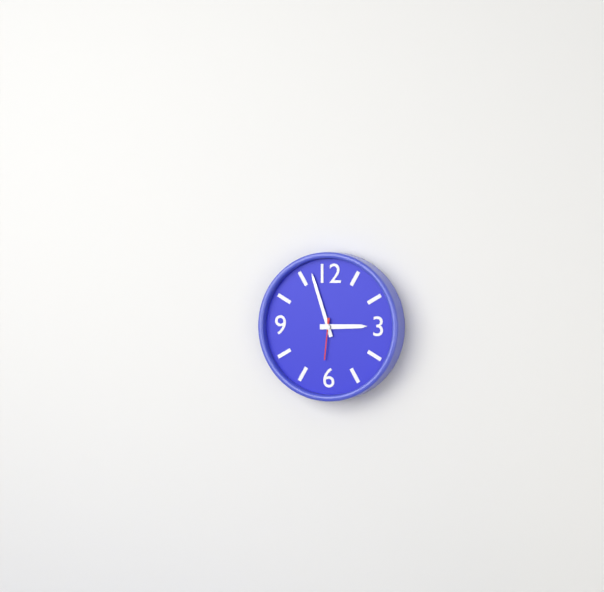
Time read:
2h57
